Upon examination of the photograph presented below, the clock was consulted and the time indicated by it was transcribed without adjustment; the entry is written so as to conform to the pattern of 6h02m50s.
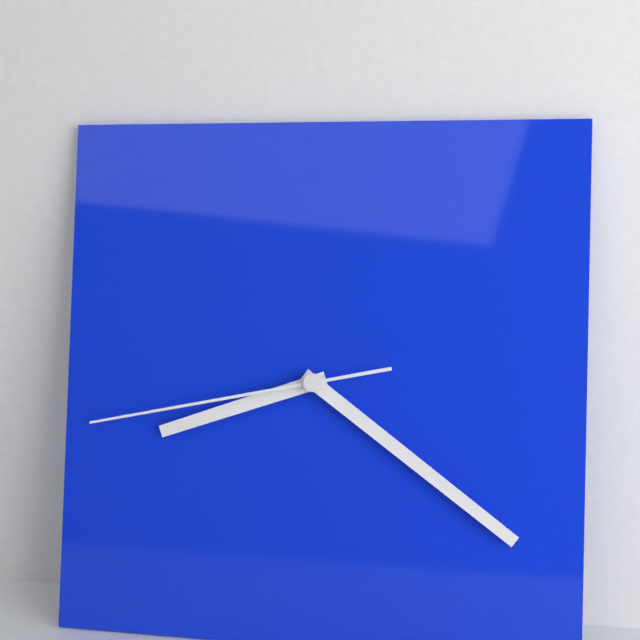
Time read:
8h21m43s
